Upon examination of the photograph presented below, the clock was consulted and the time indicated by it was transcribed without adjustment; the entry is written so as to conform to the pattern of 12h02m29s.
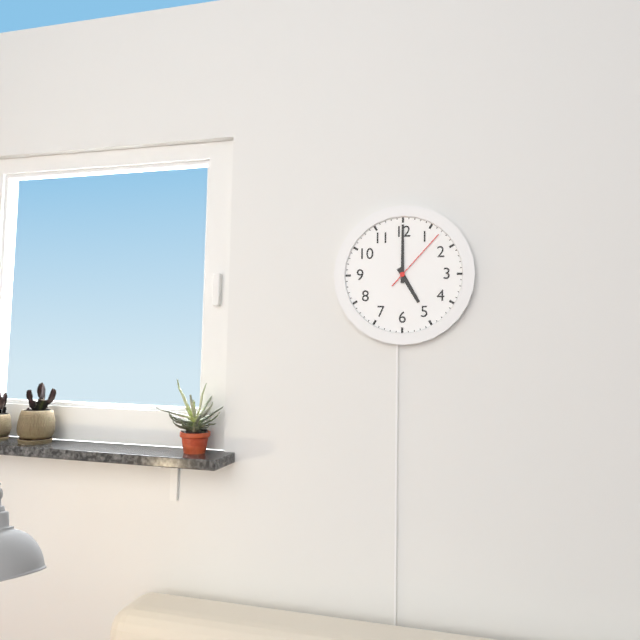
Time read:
5h00m07s
